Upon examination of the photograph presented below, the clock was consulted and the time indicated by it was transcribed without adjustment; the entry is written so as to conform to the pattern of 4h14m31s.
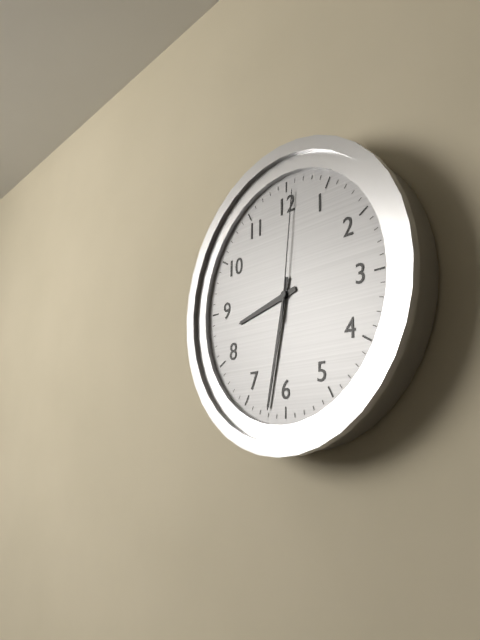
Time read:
8h32m01s
